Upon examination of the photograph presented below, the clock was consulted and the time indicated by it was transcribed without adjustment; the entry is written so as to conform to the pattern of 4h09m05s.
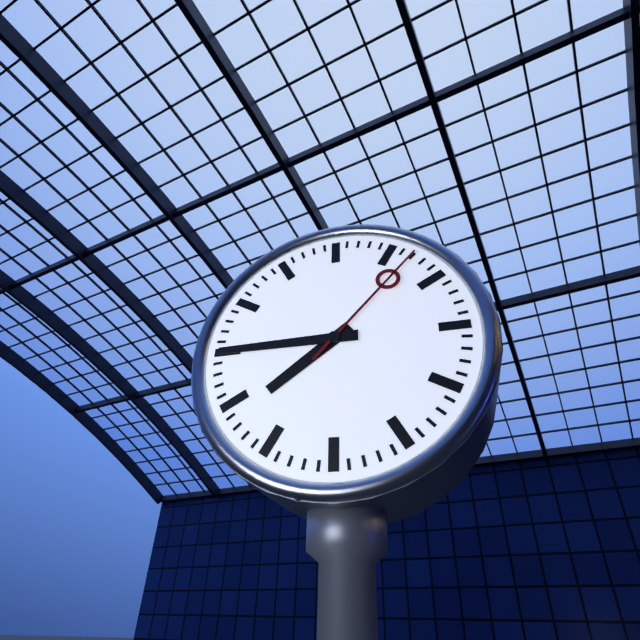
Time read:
7h45m07s
